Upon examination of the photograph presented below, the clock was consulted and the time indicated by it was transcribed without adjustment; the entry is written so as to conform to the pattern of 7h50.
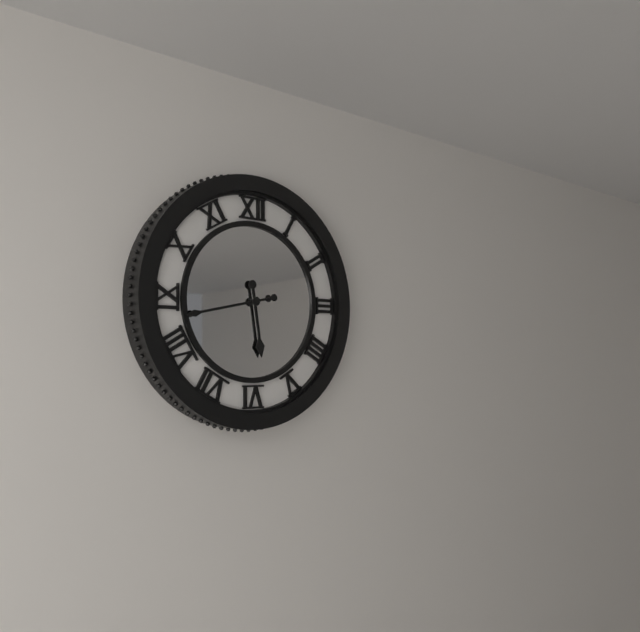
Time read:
5h43
